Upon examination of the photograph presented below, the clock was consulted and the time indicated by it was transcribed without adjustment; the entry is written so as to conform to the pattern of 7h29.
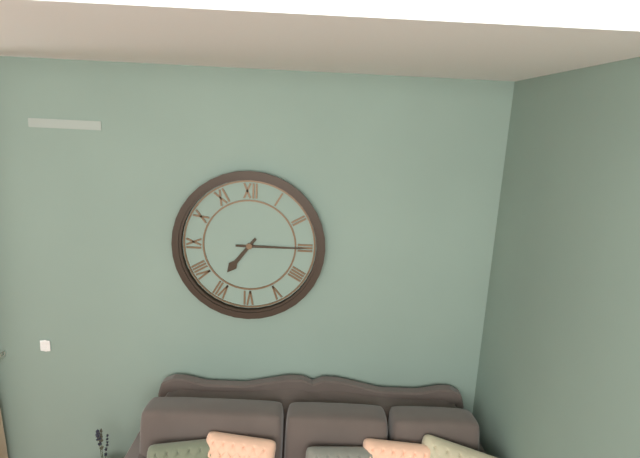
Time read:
7h15
